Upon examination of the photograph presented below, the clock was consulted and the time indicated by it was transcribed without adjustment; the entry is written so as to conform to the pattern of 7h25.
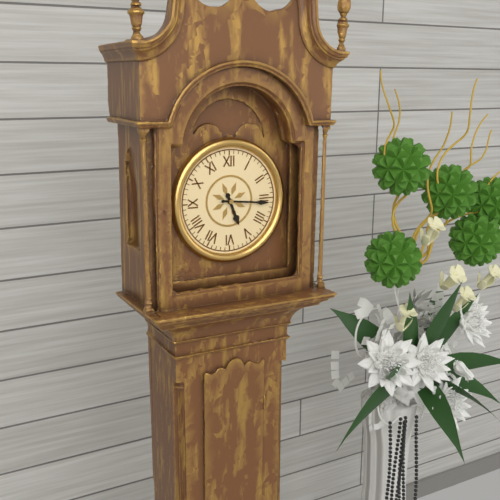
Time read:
5h16
